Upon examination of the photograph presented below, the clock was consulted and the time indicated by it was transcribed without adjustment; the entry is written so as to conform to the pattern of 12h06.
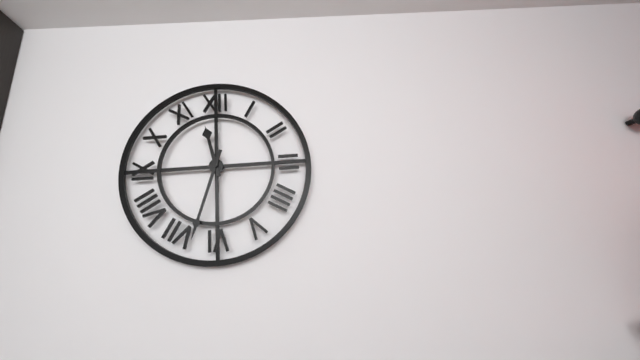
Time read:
11h33
